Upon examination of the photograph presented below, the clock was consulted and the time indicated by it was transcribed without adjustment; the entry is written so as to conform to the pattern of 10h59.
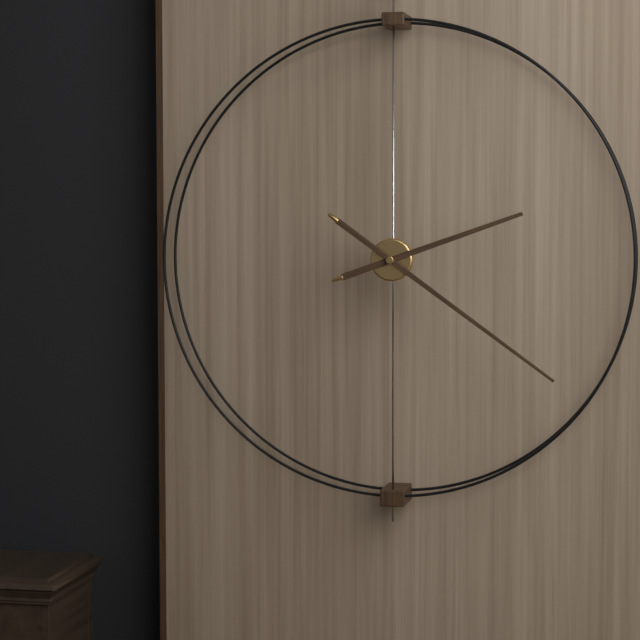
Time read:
2h21
